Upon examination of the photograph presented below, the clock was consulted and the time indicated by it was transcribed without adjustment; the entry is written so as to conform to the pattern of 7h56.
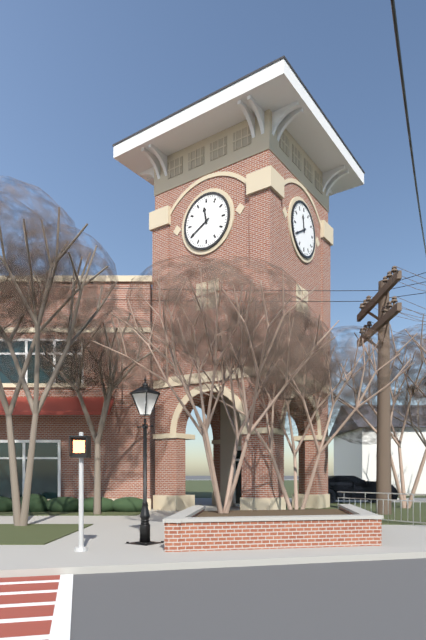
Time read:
11h40
